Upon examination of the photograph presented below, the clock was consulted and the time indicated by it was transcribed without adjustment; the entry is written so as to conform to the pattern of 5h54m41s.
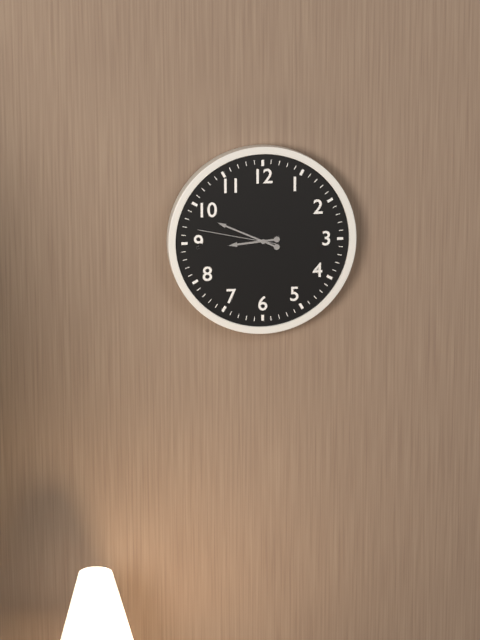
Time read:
8h49m47s
